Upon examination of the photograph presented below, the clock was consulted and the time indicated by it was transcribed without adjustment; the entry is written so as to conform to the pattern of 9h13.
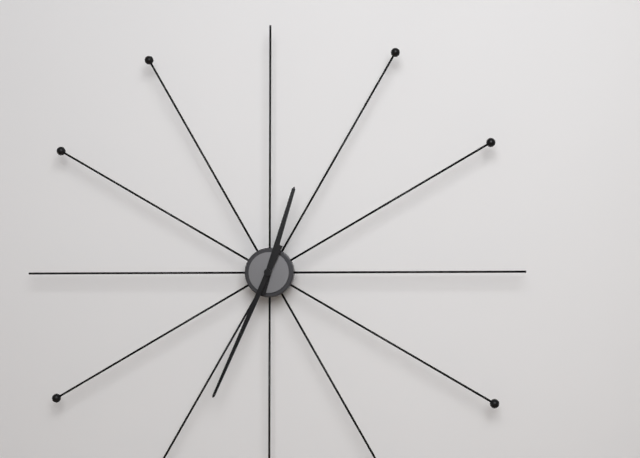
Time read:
12h34
